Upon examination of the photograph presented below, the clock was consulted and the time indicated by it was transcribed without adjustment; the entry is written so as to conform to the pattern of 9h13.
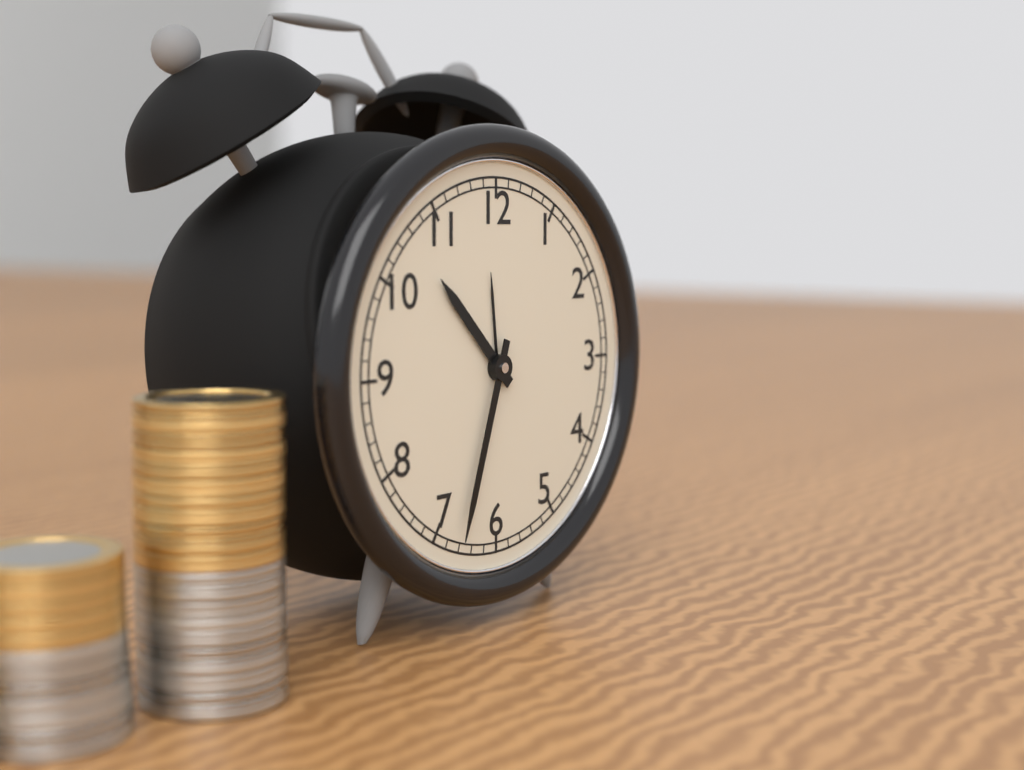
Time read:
10h33
